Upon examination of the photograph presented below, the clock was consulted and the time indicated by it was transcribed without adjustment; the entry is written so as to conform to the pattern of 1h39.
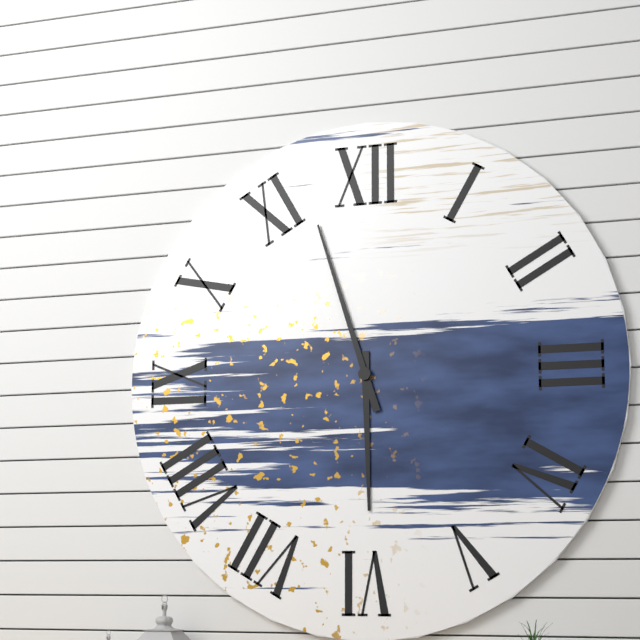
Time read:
5h57
